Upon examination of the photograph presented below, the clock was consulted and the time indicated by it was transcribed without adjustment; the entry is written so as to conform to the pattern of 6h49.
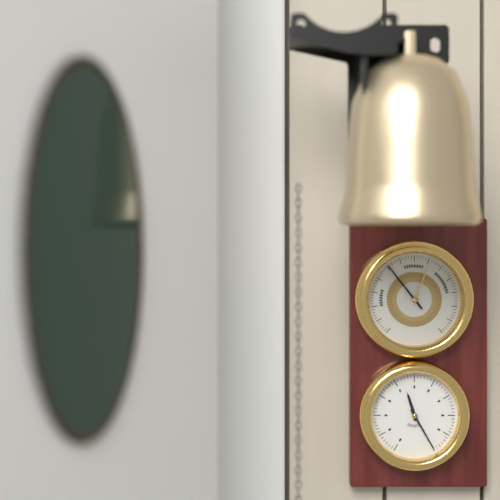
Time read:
11h25
